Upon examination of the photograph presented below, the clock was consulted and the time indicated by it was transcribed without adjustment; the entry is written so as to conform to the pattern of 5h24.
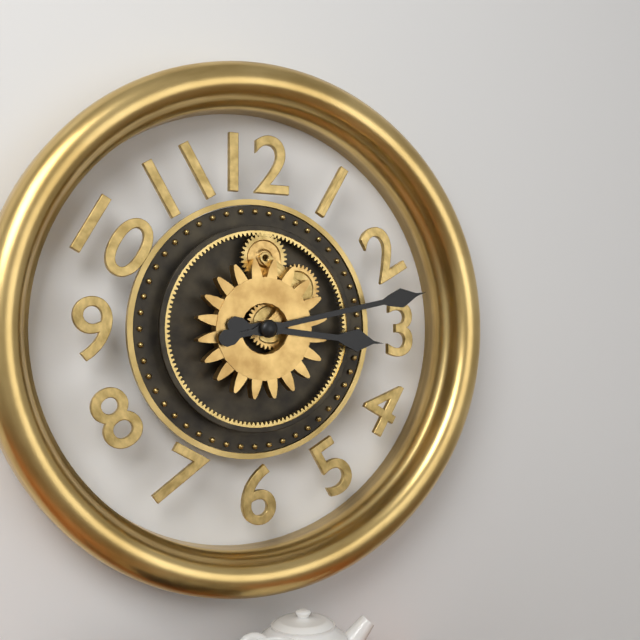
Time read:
3h13
